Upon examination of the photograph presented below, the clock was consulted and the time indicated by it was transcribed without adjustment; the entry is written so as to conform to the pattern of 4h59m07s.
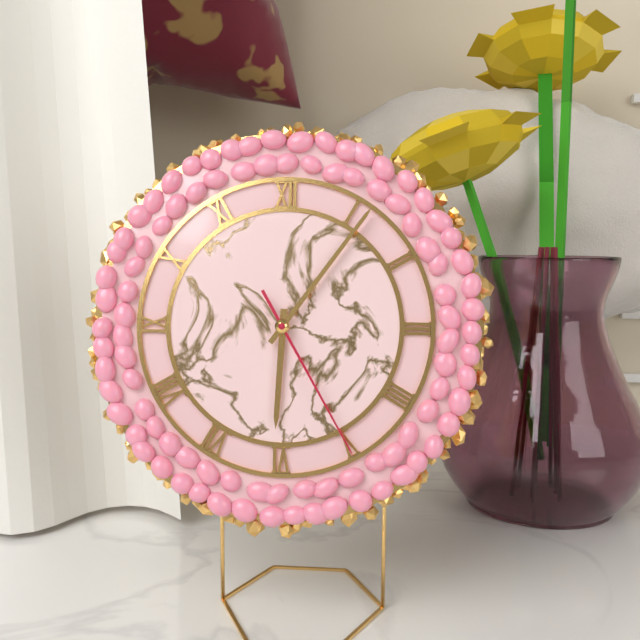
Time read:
6h06m25s
